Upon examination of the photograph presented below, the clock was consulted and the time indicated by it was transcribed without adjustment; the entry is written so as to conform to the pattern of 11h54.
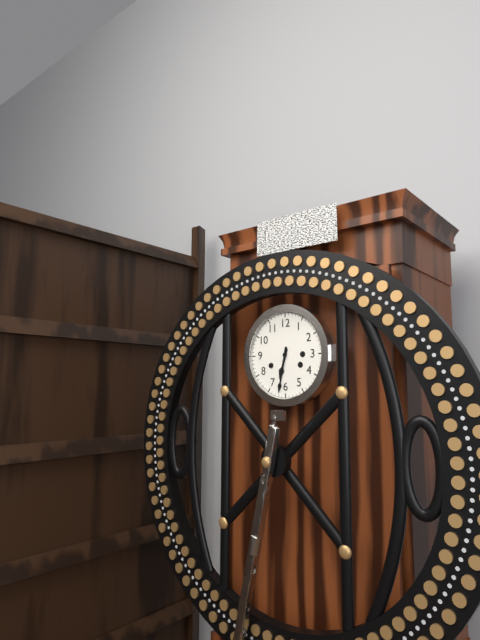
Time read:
6h32
